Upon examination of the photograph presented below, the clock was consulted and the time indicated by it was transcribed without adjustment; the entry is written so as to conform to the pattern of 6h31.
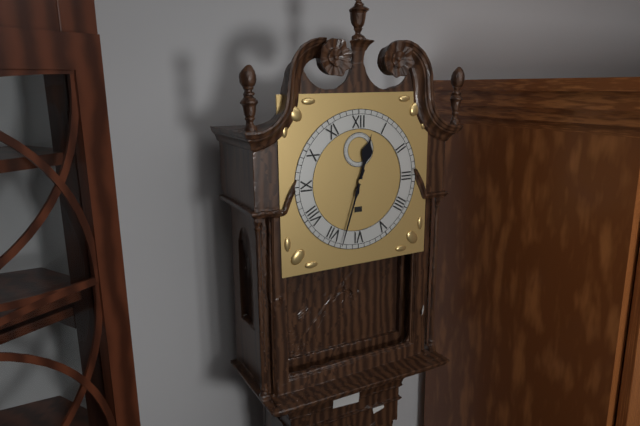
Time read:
12h33
